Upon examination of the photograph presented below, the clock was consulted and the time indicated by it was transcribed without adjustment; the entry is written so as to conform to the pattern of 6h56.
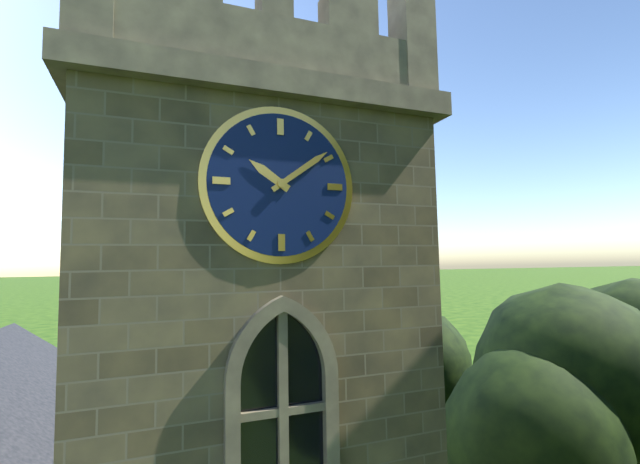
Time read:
10h09
